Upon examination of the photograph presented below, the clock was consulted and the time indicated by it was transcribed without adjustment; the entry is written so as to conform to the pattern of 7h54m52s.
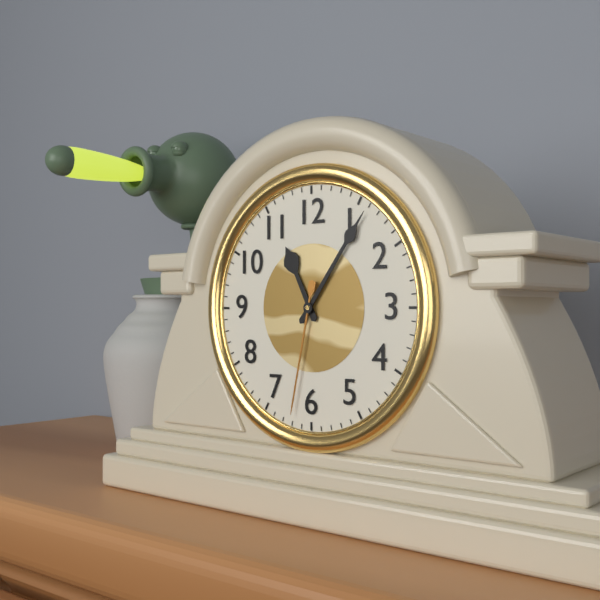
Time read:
11h06m32s
